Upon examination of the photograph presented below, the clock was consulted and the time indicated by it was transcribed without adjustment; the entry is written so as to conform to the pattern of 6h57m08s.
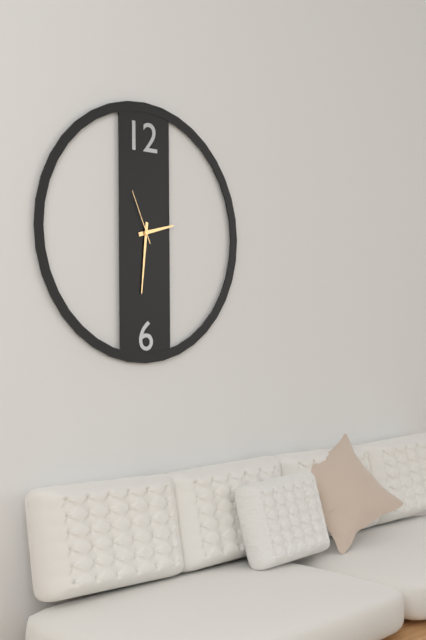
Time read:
2h31m56s
